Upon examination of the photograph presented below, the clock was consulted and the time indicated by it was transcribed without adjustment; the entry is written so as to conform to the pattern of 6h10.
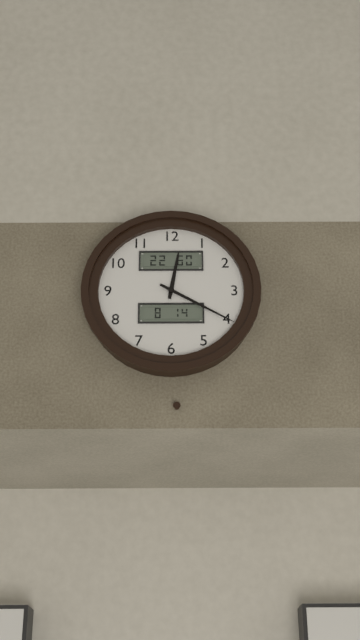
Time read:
12h20
